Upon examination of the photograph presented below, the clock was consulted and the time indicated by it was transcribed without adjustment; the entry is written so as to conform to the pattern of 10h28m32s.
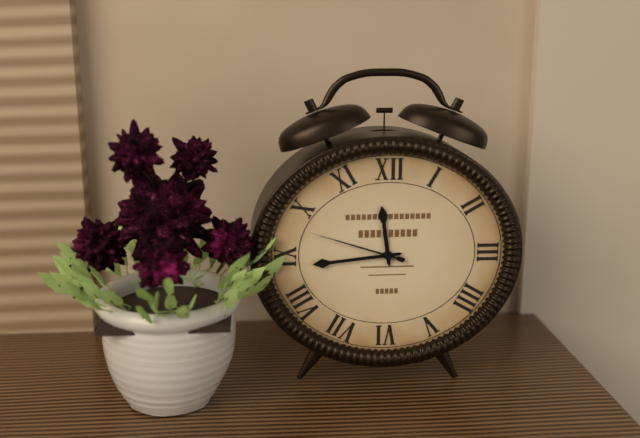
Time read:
11h44m48s
